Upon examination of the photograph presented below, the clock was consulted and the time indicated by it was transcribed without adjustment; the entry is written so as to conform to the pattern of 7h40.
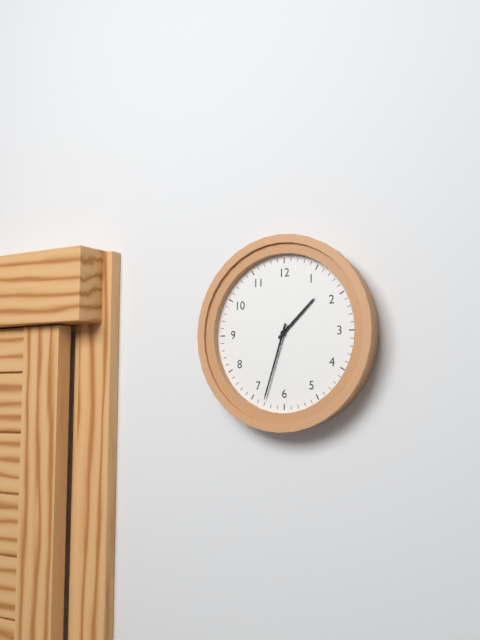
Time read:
1h33
